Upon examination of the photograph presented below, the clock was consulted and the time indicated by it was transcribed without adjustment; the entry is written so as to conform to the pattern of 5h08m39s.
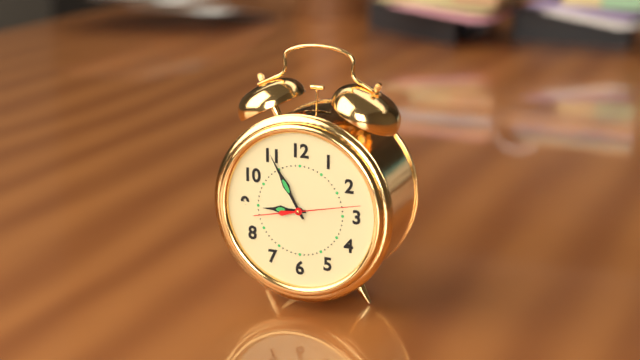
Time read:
8h55m13s
